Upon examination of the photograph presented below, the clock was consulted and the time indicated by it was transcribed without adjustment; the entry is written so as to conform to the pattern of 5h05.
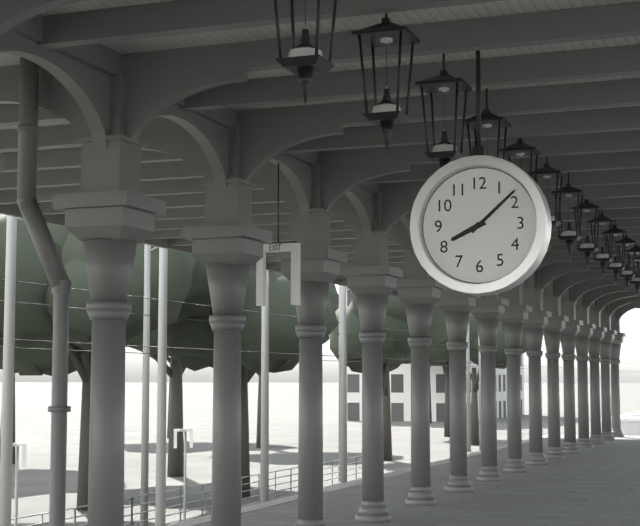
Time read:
8h08
